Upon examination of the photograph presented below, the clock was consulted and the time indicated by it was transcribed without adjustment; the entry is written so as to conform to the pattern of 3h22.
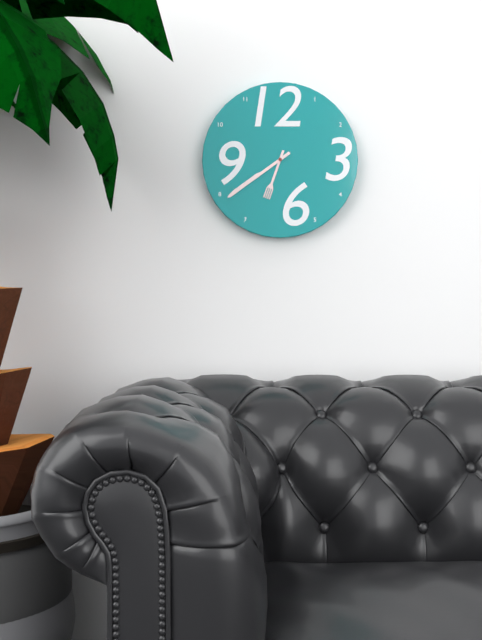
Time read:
6h39
